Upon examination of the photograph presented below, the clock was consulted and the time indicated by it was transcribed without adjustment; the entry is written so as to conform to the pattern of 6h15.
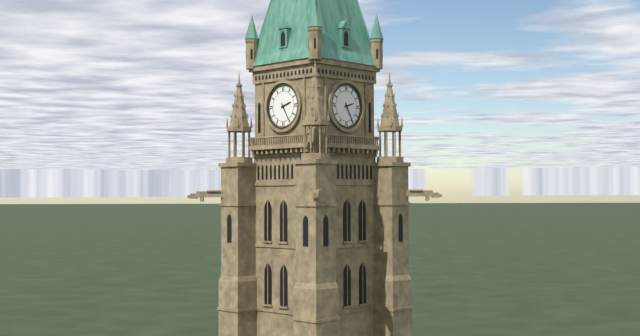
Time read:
2h25
